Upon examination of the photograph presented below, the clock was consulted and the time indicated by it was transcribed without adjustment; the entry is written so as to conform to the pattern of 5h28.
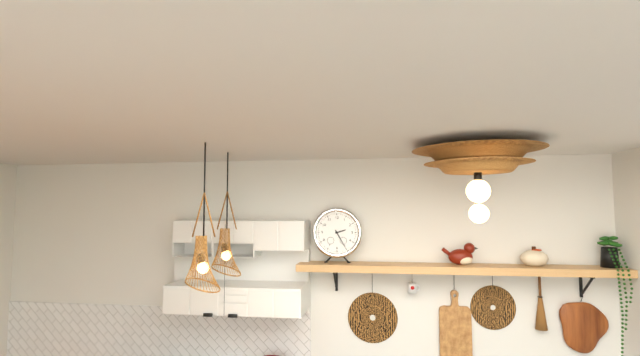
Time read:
2h25
